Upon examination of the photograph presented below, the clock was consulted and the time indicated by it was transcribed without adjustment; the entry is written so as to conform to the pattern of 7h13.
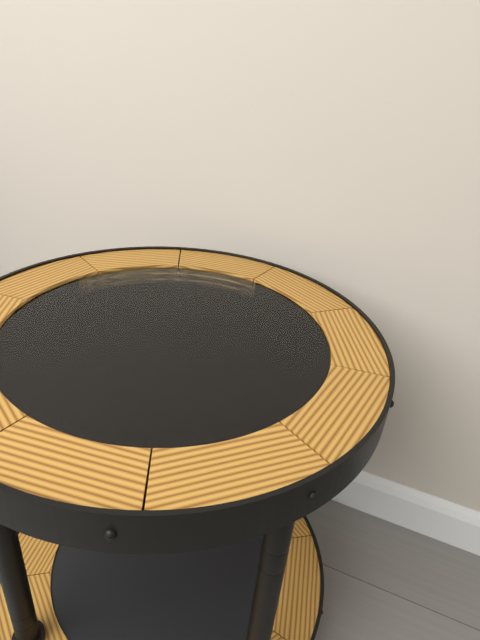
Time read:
2h48
